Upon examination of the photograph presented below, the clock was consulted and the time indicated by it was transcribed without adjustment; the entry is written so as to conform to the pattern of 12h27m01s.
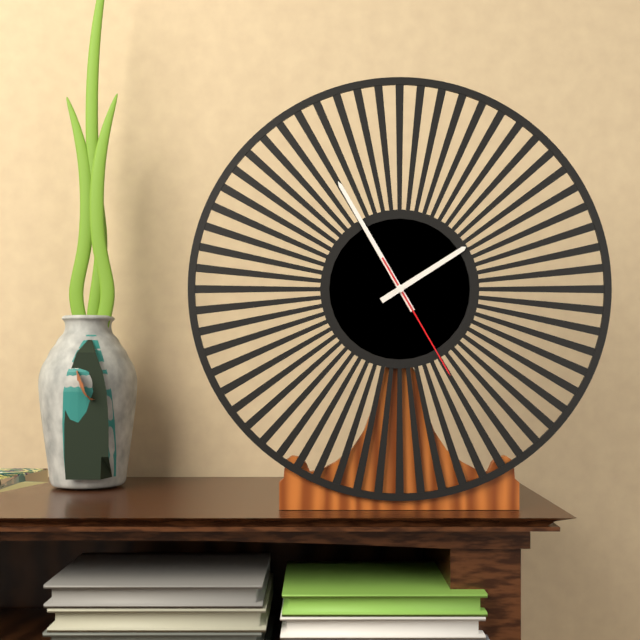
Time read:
1h55m25s
